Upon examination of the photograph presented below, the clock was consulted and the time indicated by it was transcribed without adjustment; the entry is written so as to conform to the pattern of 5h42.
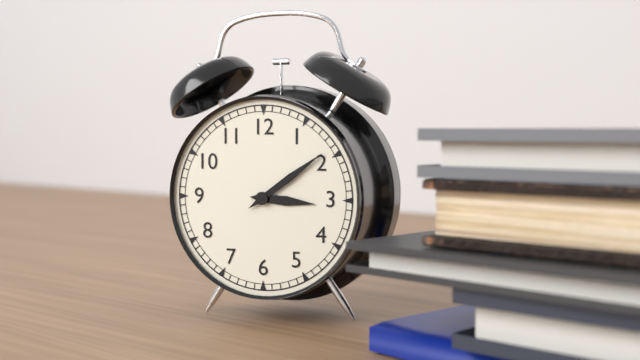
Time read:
3h09
